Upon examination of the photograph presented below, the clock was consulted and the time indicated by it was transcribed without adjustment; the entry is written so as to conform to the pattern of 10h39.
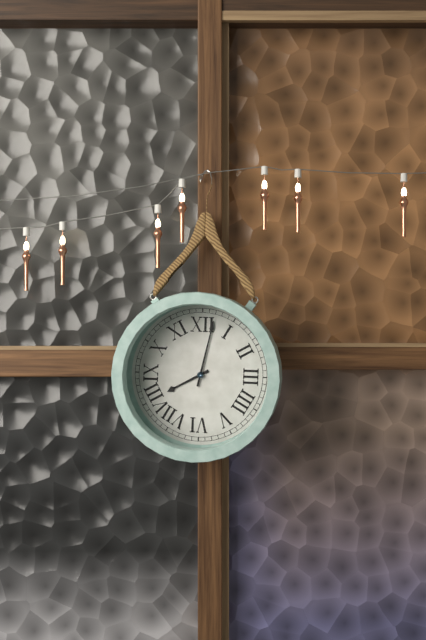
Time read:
8h02
